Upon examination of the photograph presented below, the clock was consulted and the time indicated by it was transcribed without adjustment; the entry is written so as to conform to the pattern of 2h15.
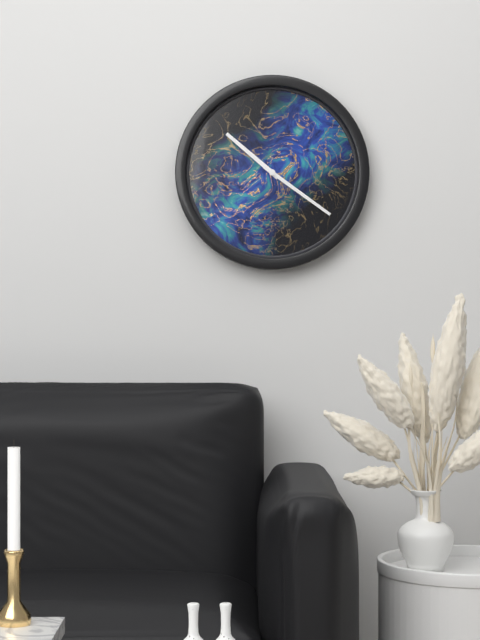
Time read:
10h21
